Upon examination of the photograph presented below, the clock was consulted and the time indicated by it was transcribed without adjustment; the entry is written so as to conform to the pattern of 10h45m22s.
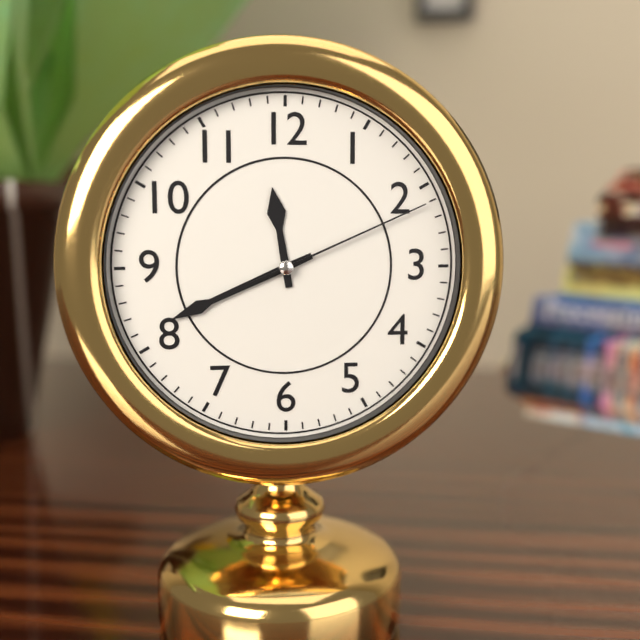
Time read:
11h41m11s
